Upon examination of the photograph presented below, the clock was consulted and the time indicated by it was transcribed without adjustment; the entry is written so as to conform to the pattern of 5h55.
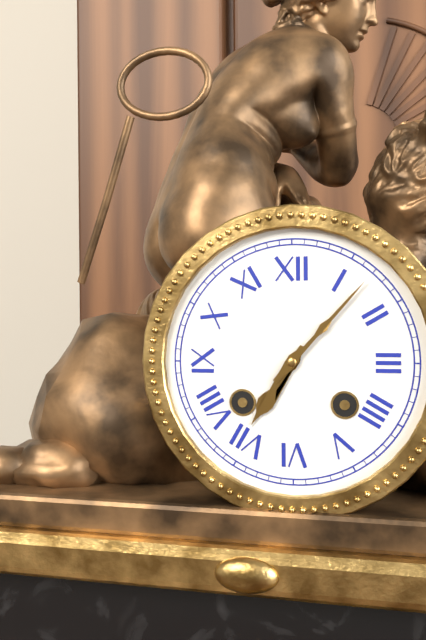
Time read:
7h07
